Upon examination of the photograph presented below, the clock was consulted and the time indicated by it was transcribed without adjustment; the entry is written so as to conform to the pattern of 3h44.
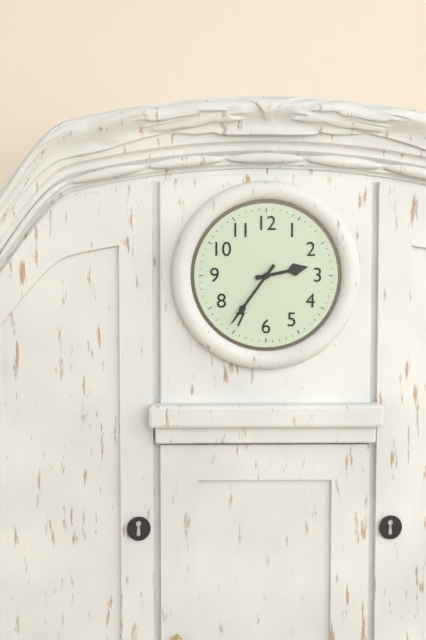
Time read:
2h36
